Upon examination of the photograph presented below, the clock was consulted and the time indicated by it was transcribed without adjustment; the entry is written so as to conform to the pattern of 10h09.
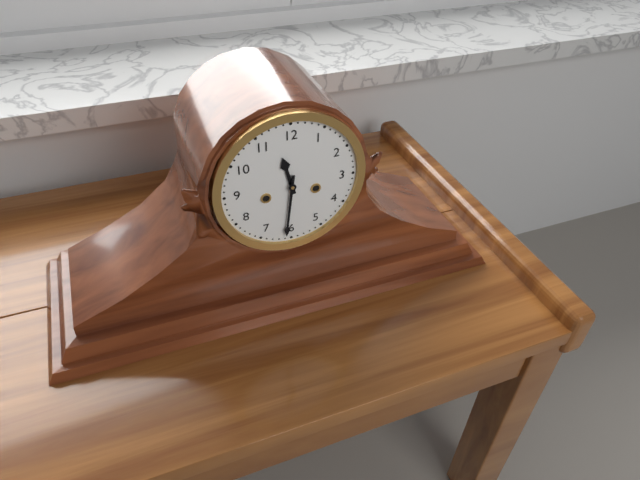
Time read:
11h31
